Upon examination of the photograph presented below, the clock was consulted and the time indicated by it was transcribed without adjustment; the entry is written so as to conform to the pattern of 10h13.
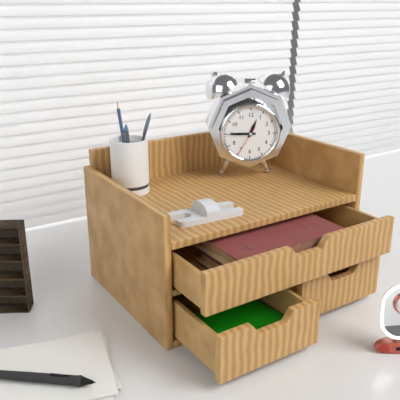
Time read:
12h45
